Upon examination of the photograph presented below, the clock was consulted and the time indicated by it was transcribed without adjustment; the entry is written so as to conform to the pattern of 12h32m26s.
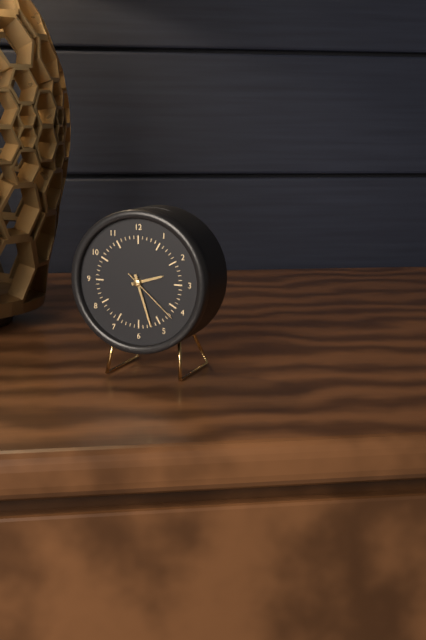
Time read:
2h27m22s
